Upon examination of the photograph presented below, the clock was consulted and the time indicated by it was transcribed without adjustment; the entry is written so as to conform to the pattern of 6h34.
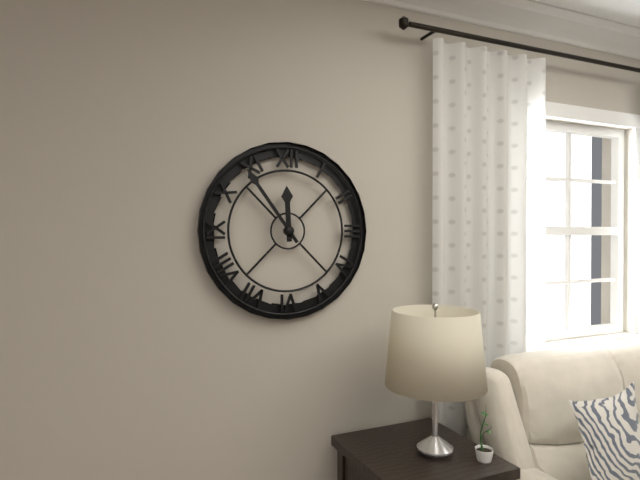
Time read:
11h54
